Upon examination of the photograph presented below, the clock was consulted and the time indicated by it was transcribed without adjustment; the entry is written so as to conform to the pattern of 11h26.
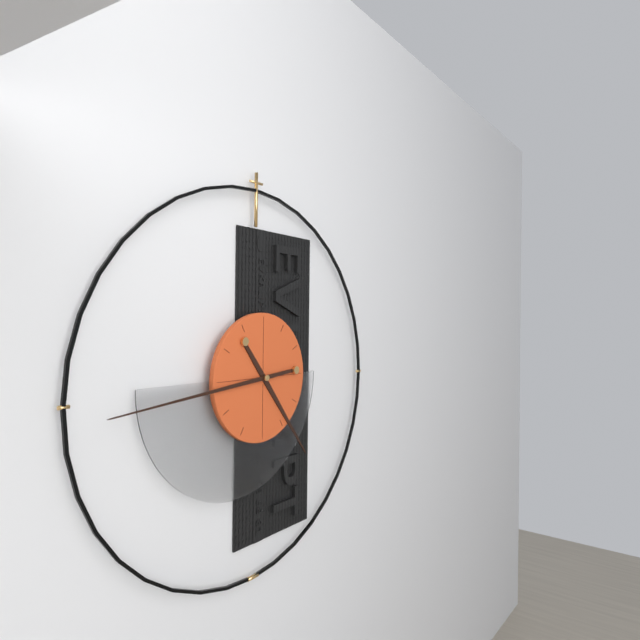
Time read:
4h44
